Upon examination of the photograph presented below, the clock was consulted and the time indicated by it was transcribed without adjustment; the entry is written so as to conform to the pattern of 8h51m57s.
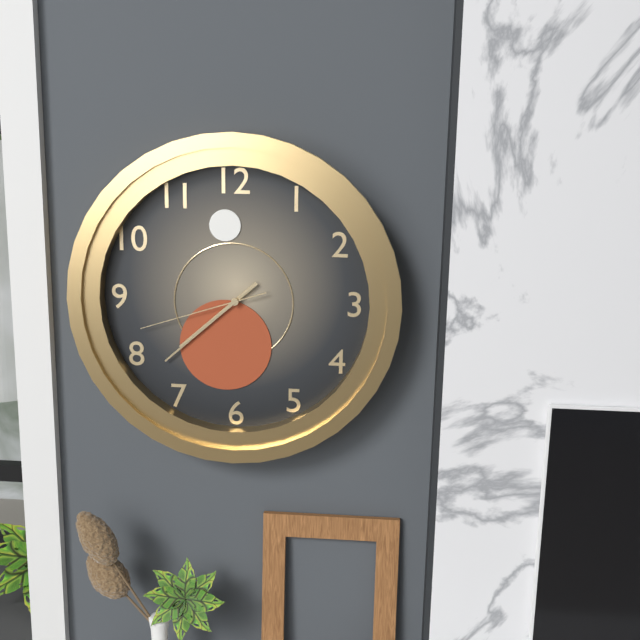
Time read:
7h38m42s
